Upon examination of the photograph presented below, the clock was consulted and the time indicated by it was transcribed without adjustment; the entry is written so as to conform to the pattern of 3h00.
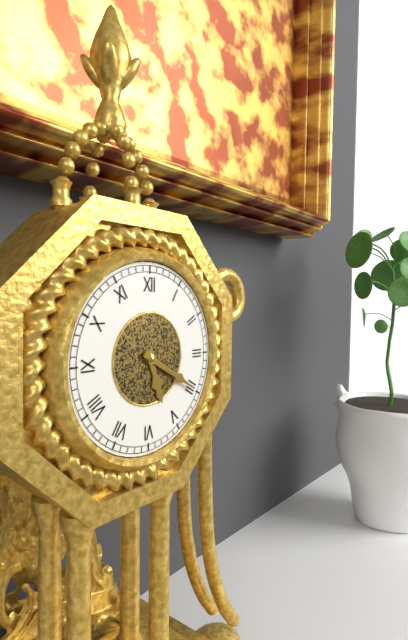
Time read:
5h20
